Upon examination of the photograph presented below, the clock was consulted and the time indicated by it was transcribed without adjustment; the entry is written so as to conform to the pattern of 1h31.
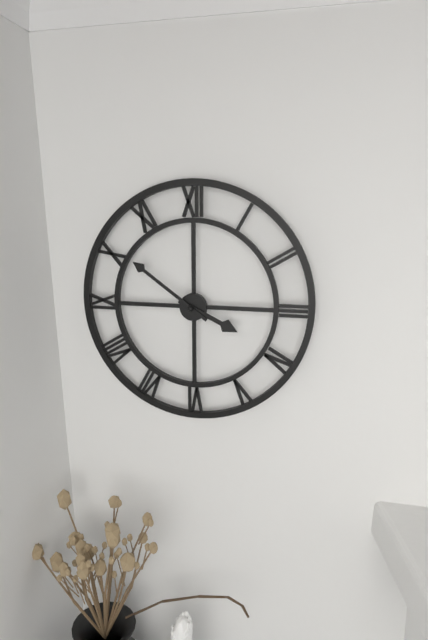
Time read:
3h51
